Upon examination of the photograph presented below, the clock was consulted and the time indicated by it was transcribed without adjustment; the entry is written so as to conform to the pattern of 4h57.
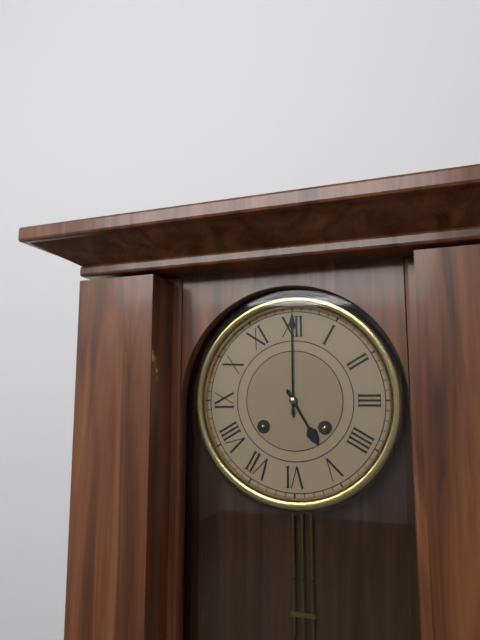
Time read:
5h00
